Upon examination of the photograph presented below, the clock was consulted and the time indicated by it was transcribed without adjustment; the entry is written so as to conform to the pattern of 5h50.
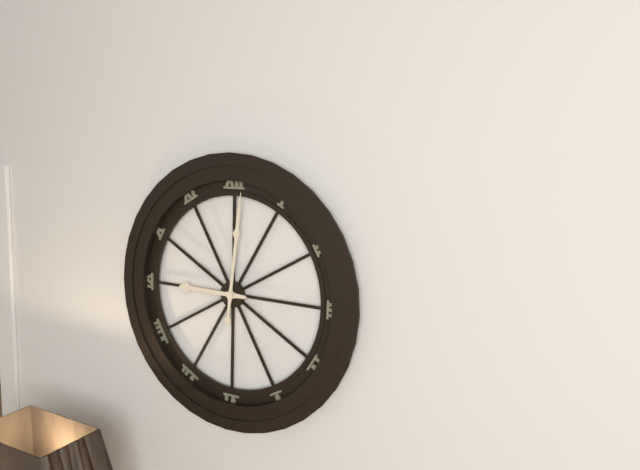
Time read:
9h01
